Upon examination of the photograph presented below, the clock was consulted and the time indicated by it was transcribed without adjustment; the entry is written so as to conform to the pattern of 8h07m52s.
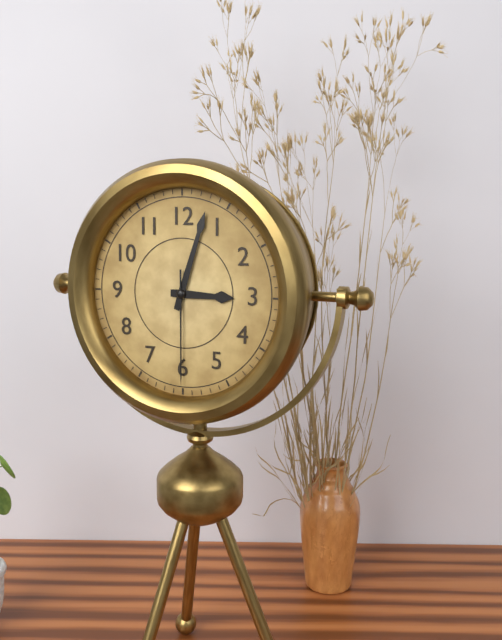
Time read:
3h03m30s
